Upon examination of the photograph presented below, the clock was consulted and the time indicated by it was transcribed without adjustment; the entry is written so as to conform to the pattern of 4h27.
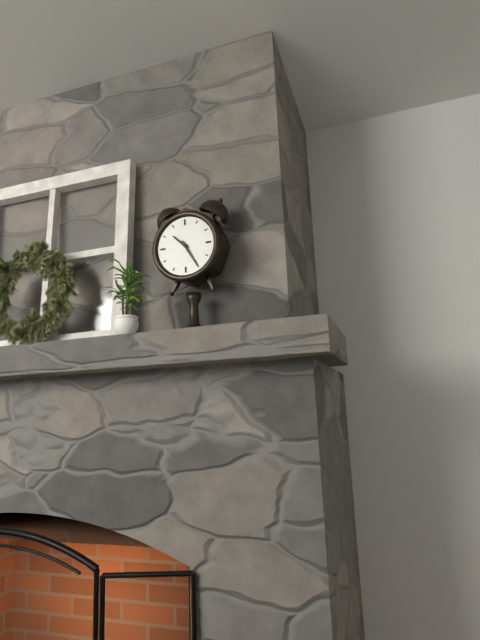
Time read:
10h25
